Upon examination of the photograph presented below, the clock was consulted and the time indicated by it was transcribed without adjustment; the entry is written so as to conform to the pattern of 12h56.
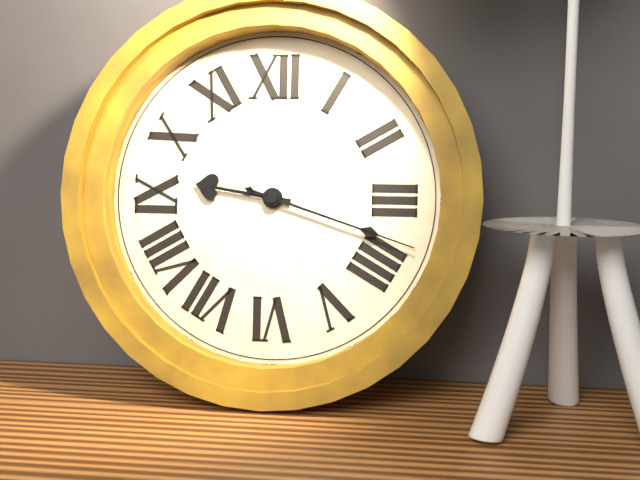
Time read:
9h18
